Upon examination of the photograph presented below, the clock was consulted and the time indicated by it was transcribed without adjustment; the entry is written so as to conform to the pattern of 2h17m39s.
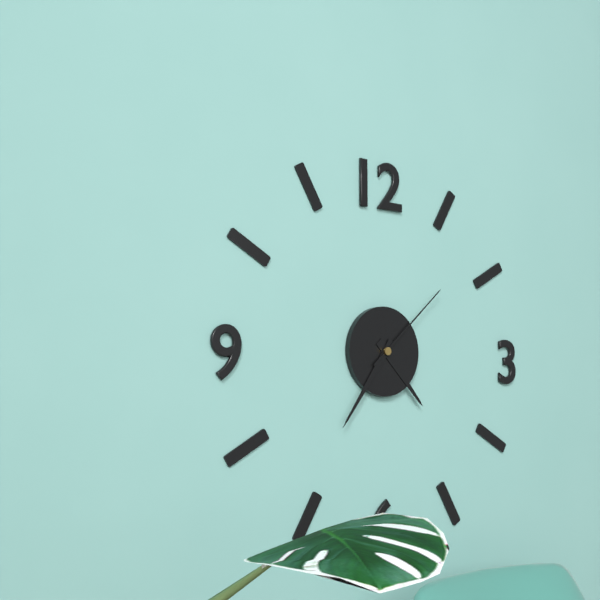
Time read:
4h36m08s
